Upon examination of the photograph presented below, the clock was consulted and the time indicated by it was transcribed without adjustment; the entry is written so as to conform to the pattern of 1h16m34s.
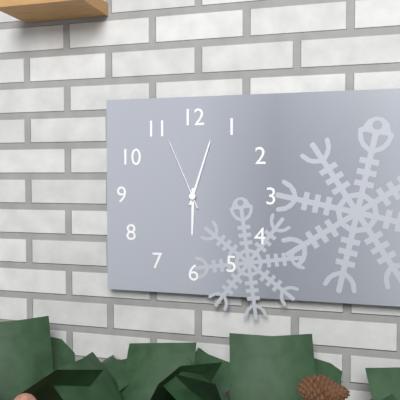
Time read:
6h03m56s
